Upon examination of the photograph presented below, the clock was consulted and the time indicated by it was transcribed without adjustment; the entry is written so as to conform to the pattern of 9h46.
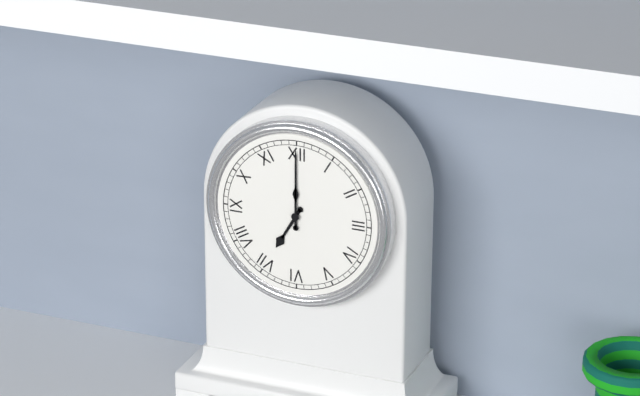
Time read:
7h00
